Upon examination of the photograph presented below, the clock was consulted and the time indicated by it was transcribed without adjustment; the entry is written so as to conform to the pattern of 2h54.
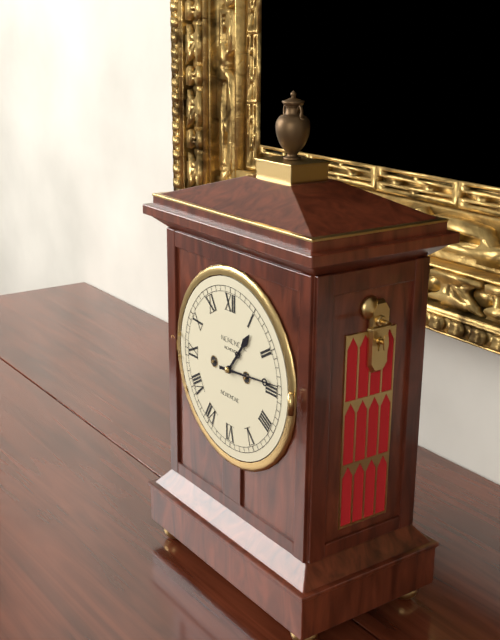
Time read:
1h14
